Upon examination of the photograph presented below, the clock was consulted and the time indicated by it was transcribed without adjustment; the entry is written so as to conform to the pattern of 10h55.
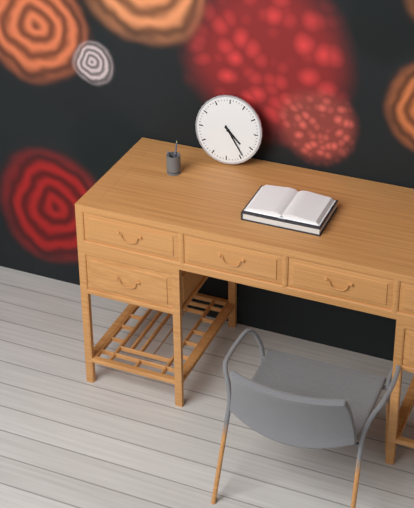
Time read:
4h24
